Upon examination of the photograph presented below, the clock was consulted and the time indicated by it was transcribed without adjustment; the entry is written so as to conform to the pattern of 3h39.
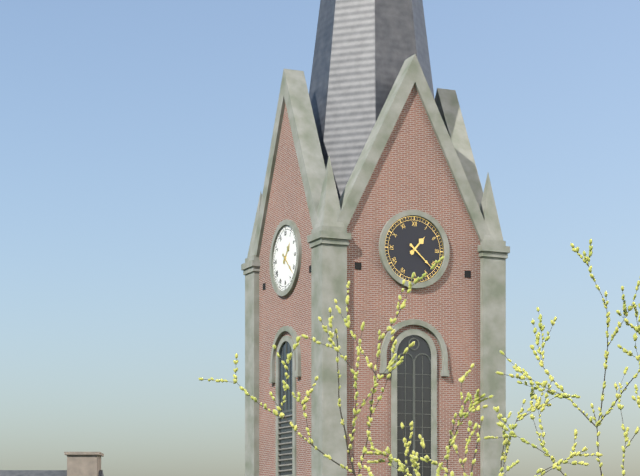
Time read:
1h22
